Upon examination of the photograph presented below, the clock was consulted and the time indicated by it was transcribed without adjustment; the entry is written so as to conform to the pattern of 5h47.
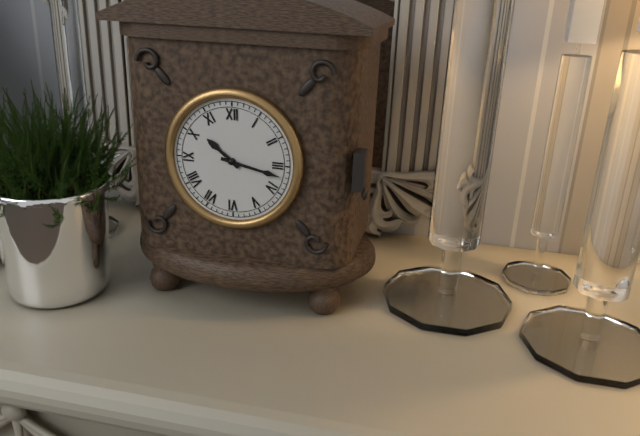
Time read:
10h17
